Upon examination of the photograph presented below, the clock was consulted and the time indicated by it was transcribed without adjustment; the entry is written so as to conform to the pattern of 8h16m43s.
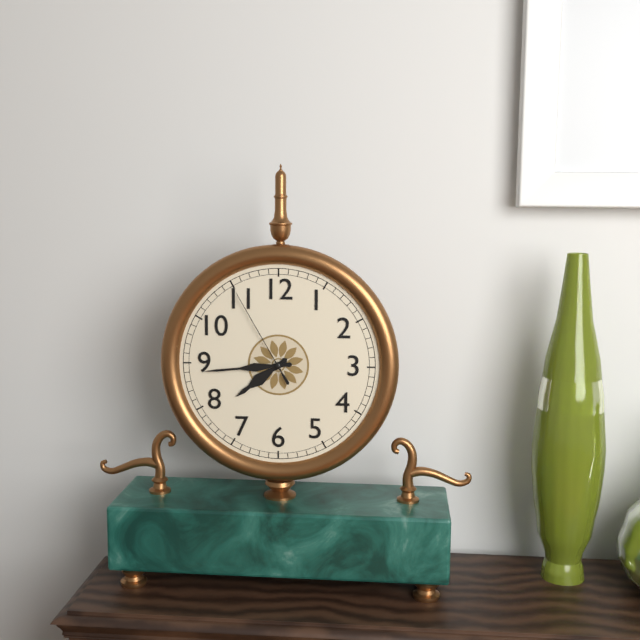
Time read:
7h44m55s
